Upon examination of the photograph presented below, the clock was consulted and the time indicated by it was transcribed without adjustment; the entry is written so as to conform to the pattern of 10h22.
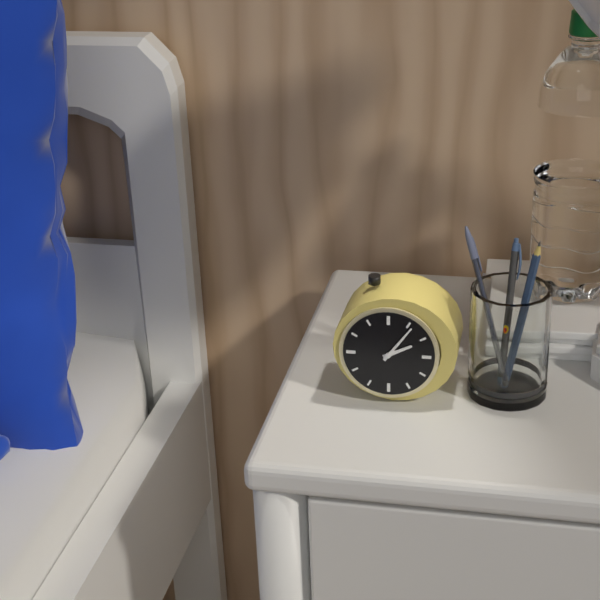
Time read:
2h06
